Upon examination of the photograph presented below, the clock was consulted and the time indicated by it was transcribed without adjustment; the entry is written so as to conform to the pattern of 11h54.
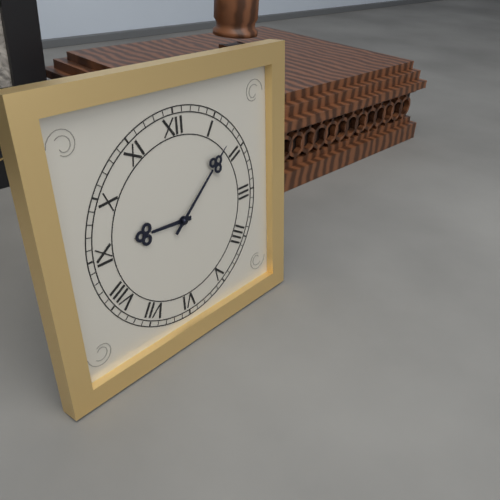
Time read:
9h08
